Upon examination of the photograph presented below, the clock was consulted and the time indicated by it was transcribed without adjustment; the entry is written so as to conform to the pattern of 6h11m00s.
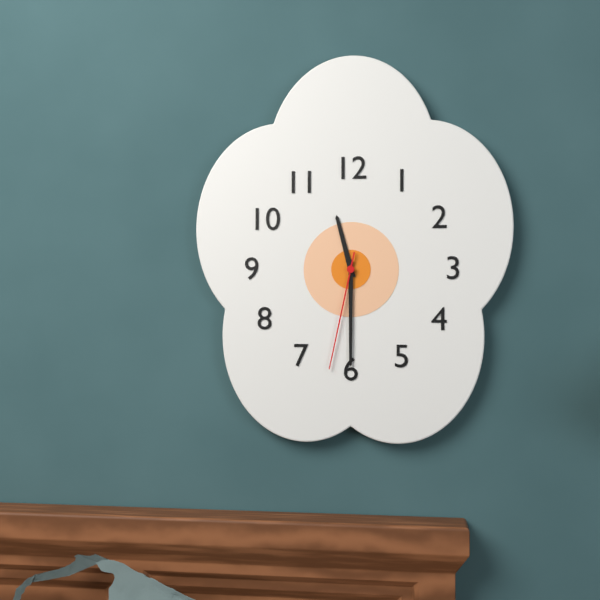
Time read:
11h30m32s
